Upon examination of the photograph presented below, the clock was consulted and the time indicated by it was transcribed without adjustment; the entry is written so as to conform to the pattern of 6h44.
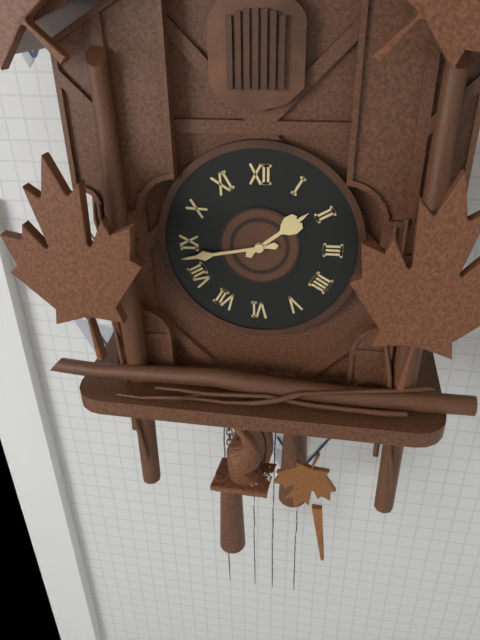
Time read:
1h43
